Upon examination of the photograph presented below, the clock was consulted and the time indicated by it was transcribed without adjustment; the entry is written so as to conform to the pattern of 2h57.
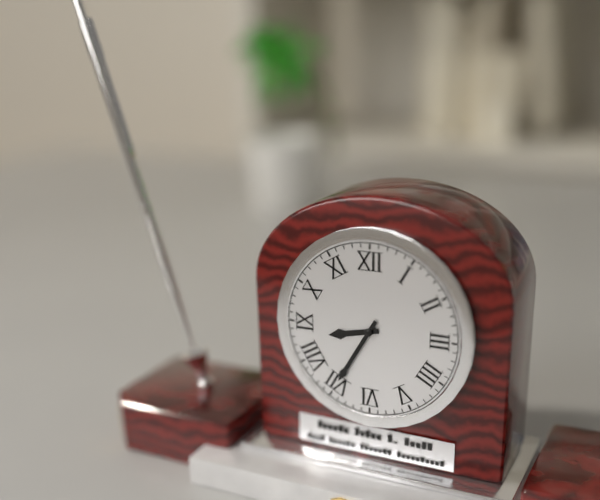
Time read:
8h35
